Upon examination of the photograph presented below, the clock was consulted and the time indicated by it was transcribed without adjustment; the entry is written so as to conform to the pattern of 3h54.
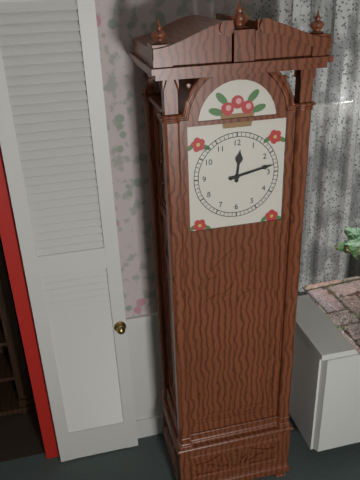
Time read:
12h13
